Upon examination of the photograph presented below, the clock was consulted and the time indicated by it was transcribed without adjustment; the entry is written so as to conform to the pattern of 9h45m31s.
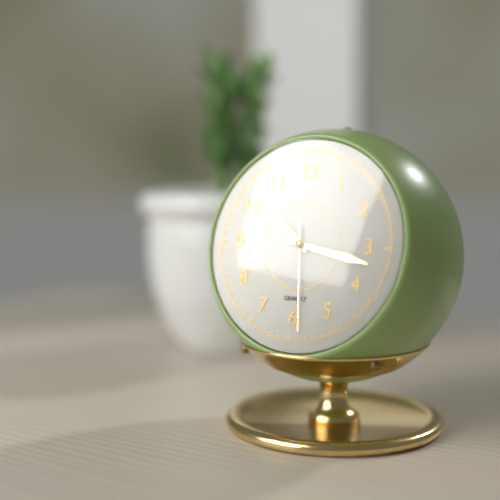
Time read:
10h17m29s
